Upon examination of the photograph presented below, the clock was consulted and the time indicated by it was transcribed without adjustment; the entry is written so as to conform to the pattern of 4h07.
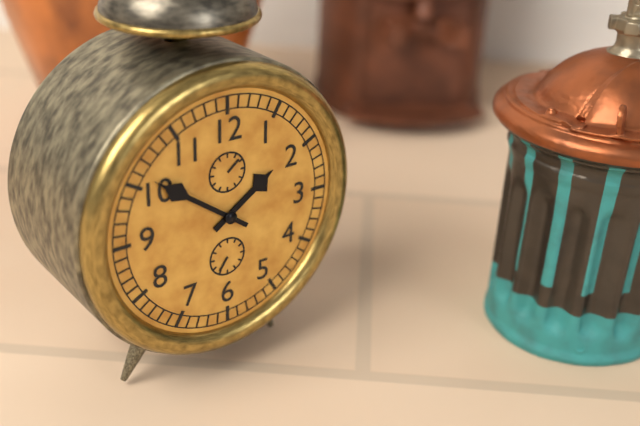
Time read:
1h51
